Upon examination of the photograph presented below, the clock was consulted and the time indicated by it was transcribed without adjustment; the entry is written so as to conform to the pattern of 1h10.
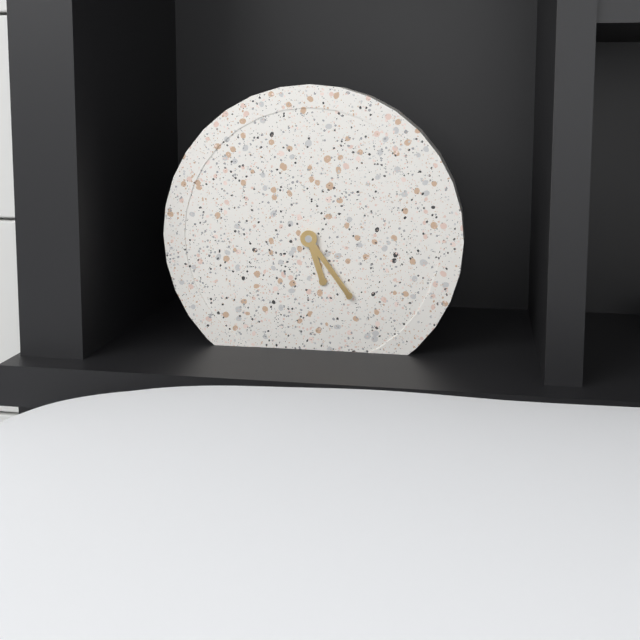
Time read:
5h24
